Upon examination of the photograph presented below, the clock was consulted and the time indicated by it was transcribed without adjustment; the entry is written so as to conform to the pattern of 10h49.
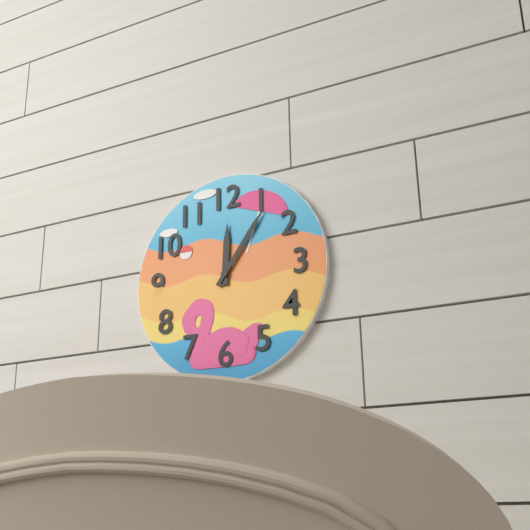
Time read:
12h06
